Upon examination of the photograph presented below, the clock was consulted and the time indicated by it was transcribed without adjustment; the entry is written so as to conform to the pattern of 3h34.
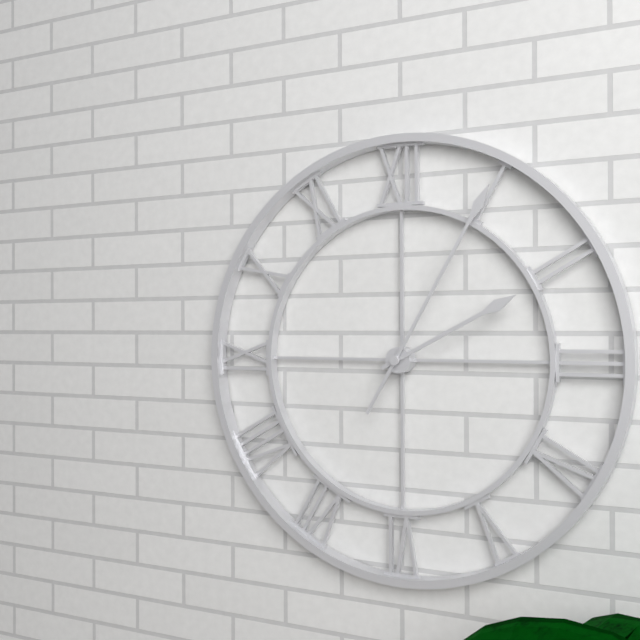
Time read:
2h05
